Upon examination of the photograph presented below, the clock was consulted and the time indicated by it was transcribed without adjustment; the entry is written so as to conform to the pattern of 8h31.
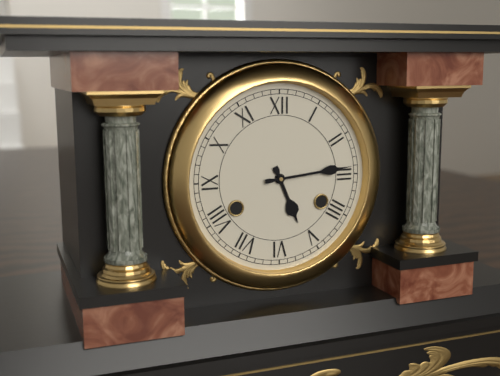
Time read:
5h14
